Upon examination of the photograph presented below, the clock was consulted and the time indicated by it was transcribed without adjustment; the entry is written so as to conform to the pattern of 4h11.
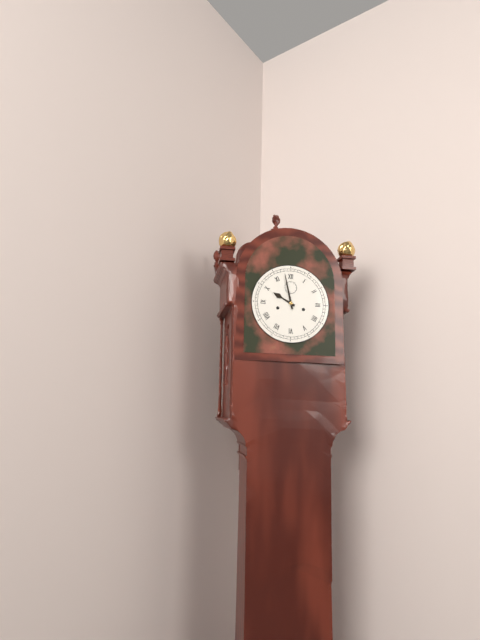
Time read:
9h58
